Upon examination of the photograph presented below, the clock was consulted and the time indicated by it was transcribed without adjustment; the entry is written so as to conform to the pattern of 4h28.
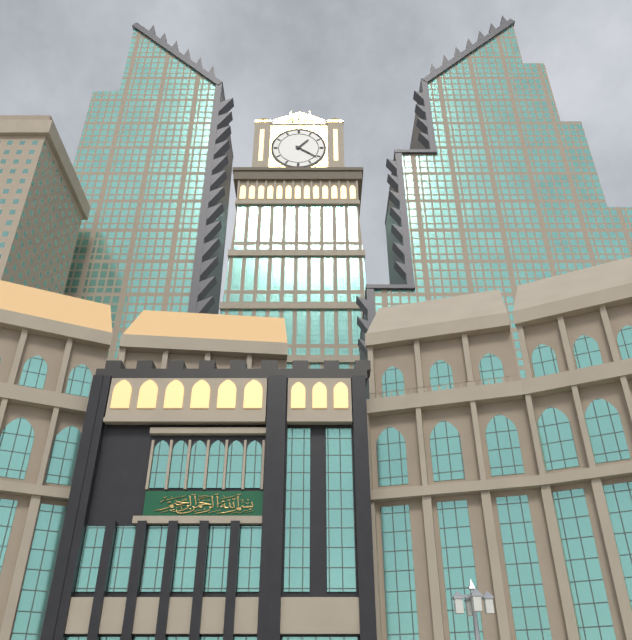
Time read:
1h21
